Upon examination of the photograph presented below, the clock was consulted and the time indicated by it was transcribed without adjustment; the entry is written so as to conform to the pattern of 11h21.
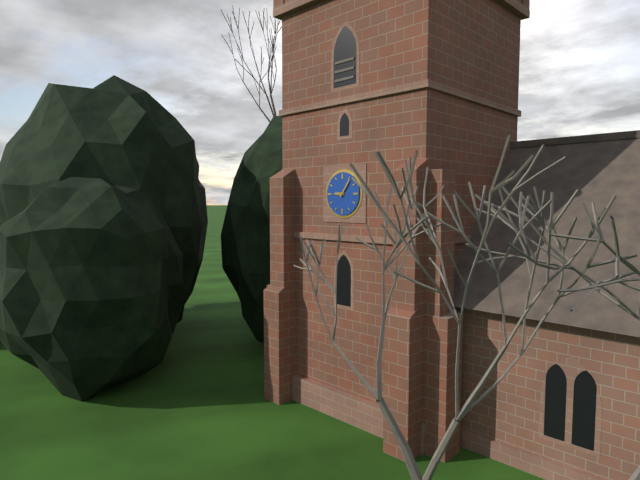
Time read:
9h06
